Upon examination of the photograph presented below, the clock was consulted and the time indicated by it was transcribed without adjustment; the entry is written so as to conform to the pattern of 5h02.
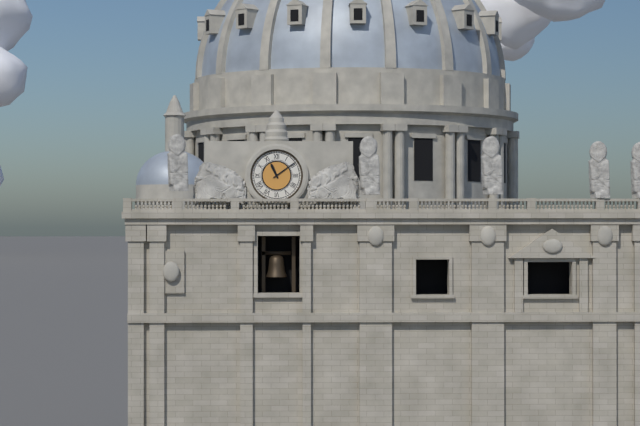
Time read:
11h09
